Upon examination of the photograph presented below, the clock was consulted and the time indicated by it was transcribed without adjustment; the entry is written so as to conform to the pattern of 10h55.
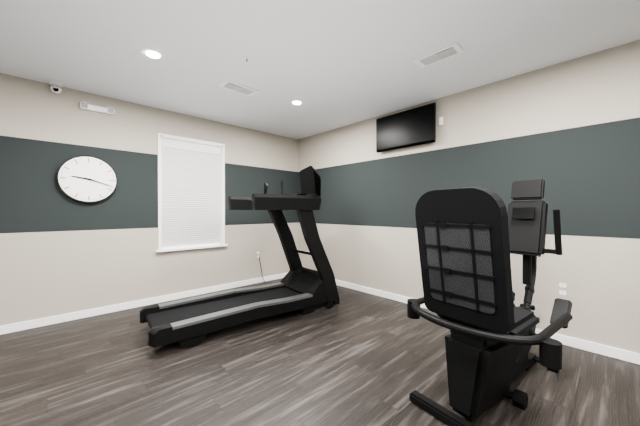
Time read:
9h18
